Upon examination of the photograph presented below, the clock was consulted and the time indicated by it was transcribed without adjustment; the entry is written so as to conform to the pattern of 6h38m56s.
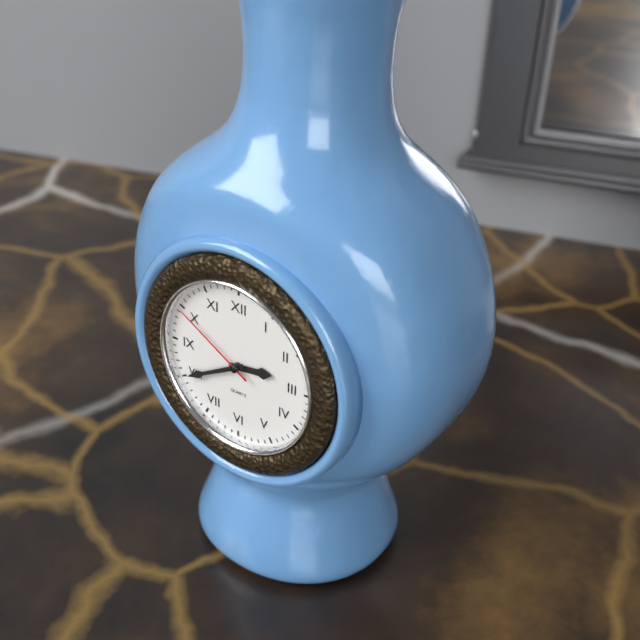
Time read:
2h40m50s
